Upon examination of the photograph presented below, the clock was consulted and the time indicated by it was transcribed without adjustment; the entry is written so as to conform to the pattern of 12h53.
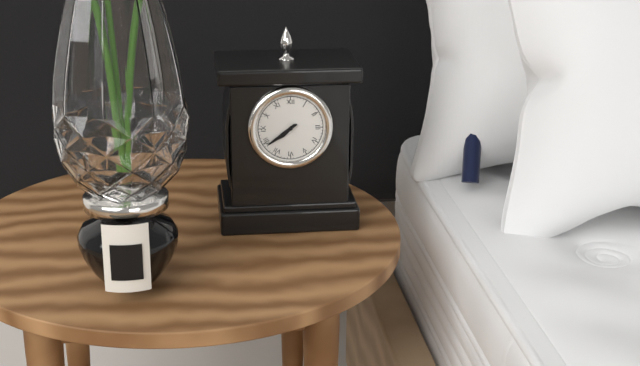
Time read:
7h39
